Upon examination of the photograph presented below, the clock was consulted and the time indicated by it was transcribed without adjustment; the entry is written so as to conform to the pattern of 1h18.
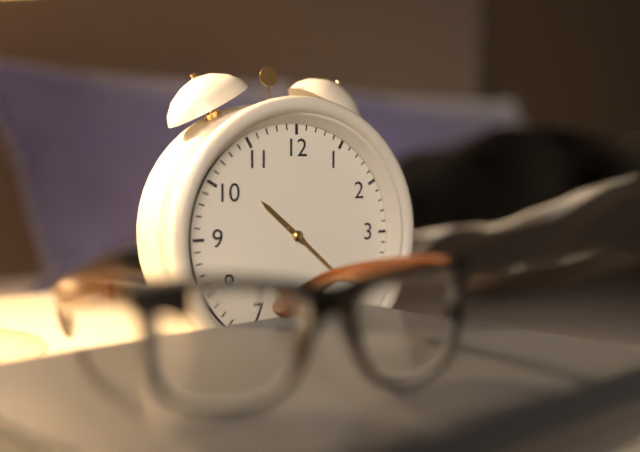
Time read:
10h22
